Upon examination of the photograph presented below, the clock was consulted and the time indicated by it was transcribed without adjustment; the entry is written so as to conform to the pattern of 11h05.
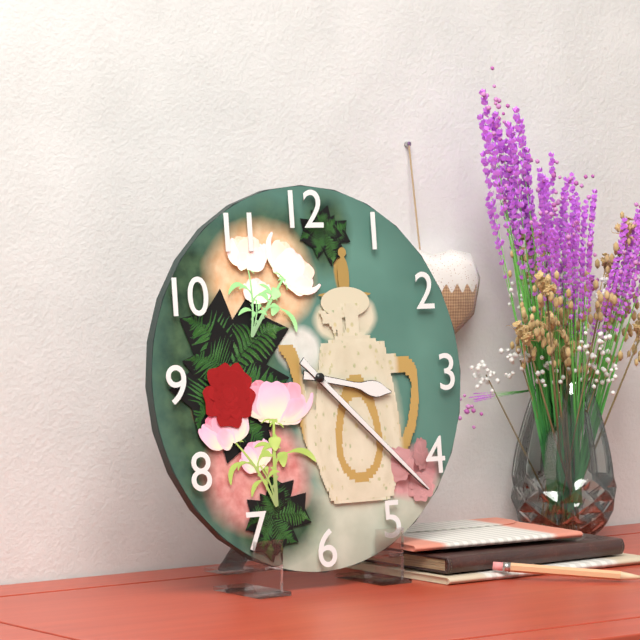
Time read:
3h22
